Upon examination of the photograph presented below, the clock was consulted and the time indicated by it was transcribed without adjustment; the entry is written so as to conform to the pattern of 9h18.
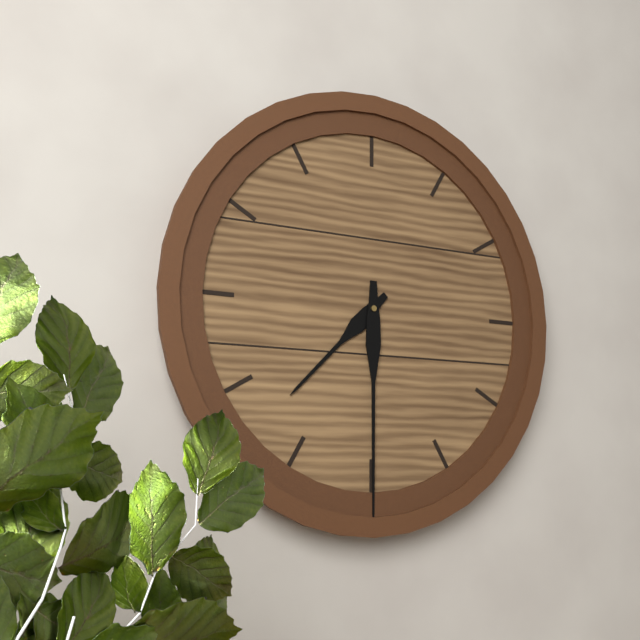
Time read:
7h30
